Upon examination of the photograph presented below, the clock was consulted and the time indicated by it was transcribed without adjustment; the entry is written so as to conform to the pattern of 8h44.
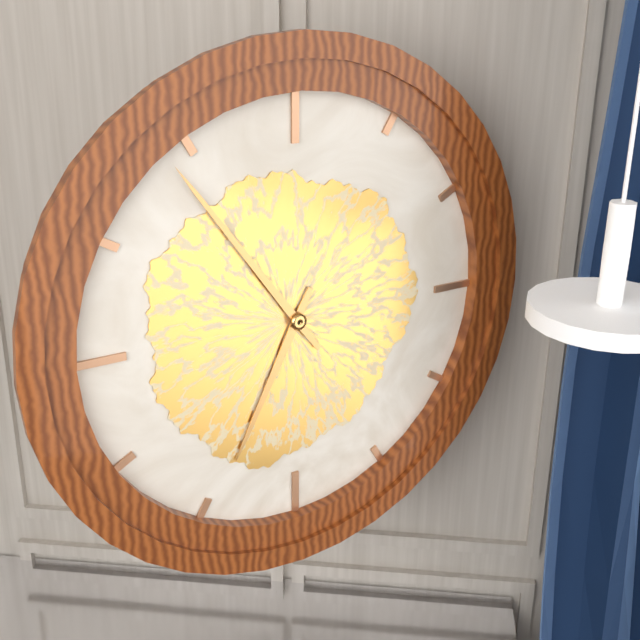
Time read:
6h54
